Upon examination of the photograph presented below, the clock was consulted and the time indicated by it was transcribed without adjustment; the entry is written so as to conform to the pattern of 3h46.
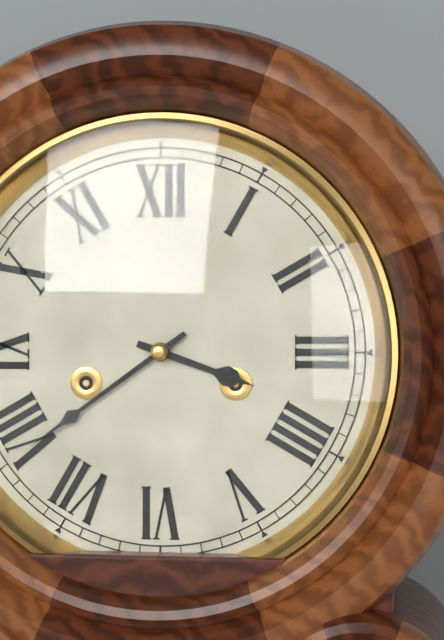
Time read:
3h39
